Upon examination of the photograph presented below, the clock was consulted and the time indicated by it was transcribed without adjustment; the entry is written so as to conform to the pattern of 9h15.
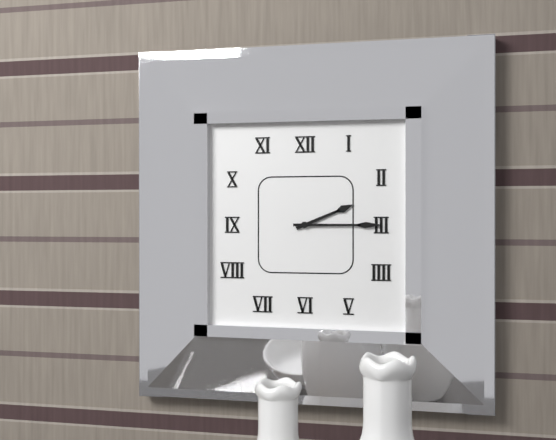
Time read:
2h15
